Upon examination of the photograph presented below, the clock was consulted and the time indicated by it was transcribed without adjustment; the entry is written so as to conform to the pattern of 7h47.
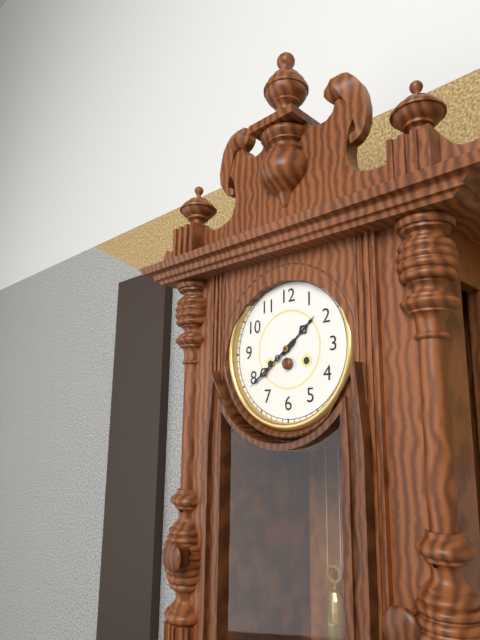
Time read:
1h39
